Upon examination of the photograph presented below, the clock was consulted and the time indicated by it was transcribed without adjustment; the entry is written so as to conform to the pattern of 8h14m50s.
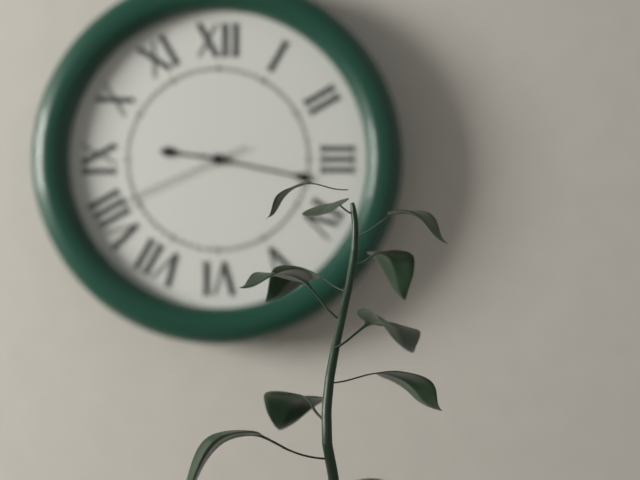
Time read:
9h17m41s
